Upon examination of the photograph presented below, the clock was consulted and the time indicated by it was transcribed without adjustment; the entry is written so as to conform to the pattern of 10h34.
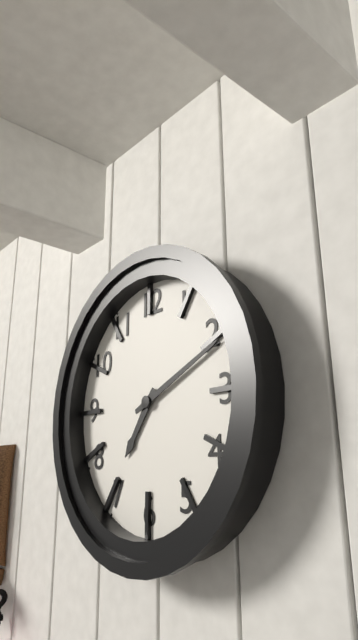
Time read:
7h11
